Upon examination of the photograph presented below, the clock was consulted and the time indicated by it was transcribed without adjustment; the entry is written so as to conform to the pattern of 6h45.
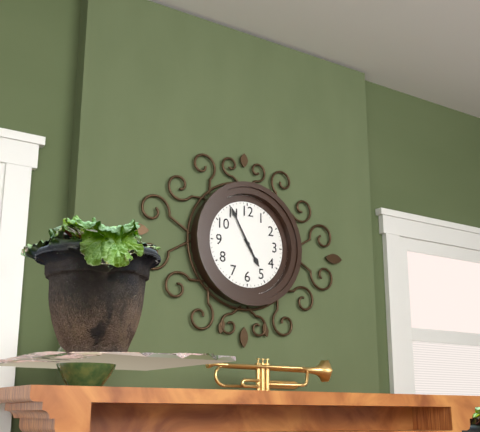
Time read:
4h55
